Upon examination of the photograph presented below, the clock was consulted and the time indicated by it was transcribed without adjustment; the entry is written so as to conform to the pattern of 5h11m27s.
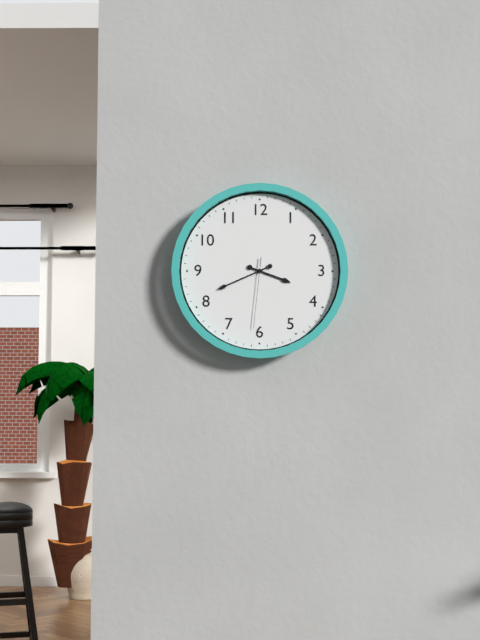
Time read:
3h41m31s
